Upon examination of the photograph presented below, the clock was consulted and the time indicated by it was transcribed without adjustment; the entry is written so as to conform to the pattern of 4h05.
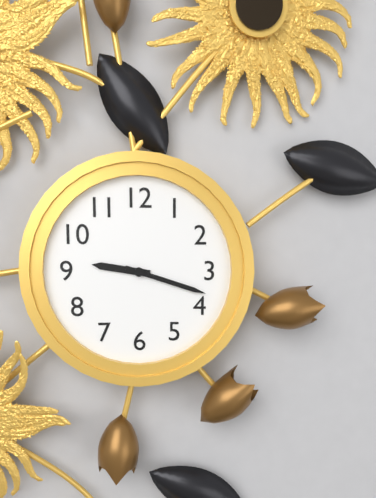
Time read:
9h18
